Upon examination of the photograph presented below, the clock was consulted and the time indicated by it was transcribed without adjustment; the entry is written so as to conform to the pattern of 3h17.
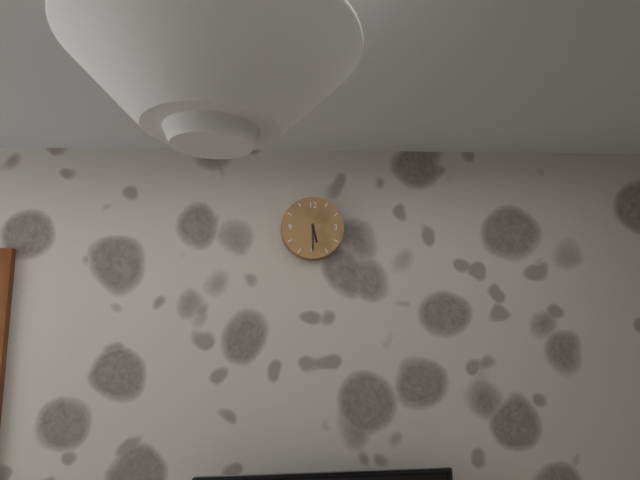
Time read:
5h30
